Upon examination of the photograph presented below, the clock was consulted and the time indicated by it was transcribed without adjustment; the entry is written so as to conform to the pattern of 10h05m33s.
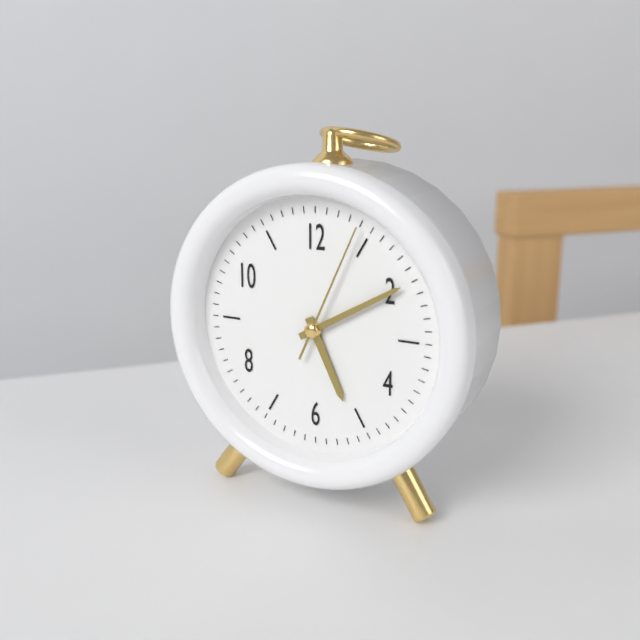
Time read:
5h10m04s
